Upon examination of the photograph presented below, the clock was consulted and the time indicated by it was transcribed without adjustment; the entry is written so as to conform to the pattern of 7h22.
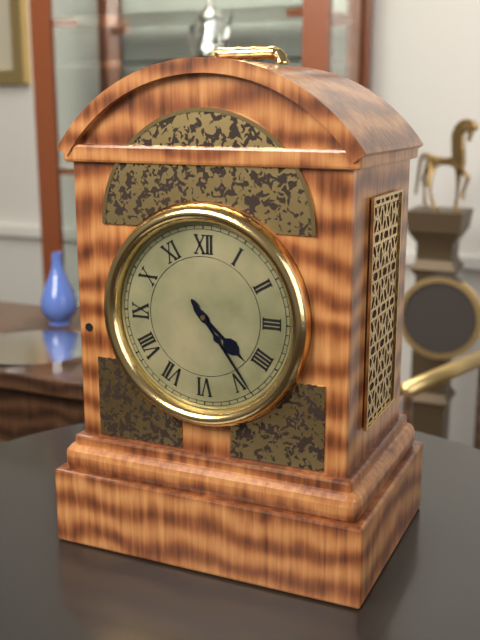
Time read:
4h24
